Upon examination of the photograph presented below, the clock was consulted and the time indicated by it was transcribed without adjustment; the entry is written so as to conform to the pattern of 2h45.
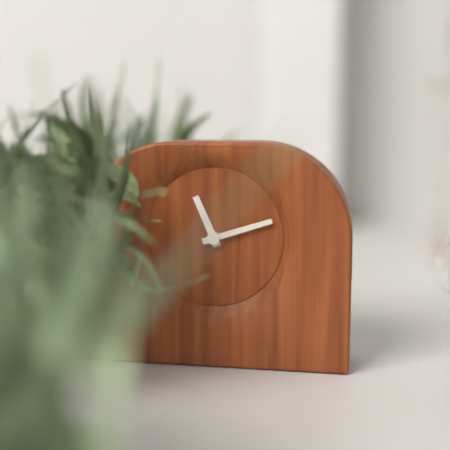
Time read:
11h12
